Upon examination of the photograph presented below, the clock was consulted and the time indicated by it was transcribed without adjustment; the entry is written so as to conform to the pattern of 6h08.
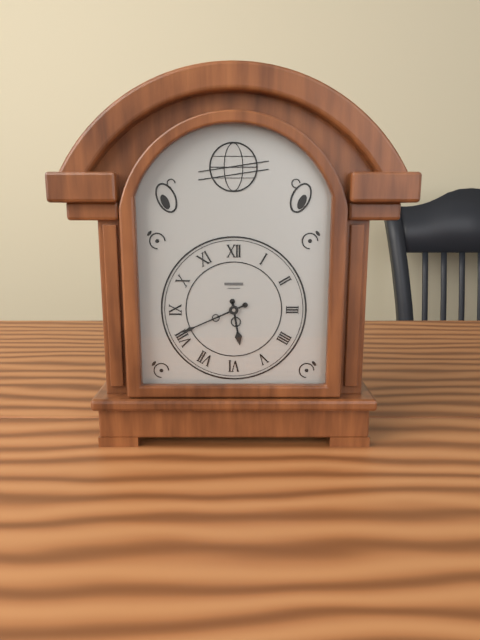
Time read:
5h41
